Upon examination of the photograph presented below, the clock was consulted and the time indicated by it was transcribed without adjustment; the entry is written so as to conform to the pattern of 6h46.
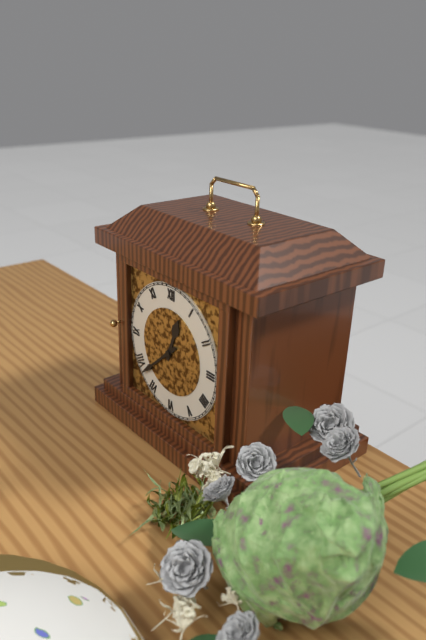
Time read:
12h38
